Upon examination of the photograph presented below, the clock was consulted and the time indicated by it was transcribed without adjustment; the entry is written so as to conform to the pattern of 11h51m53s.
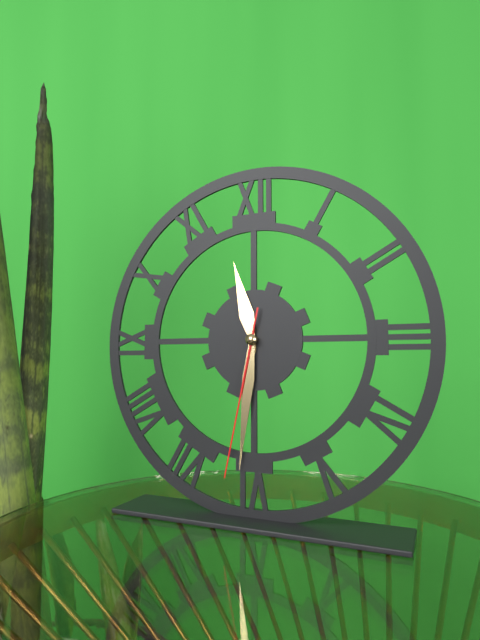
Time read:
11h31m32s
